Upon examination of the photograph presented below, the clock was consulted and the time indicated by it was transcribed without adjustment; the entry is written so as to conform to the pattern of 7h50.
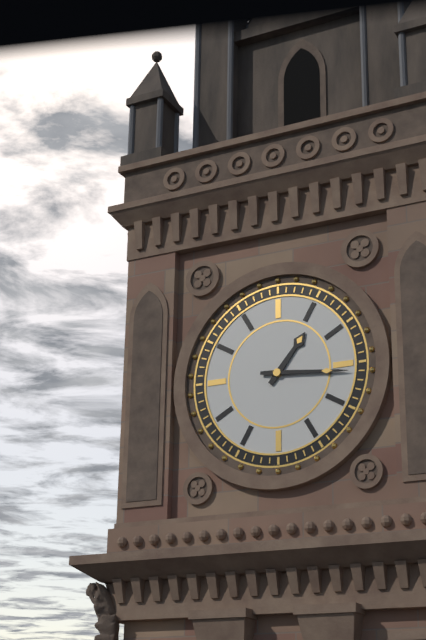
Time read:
1h16
